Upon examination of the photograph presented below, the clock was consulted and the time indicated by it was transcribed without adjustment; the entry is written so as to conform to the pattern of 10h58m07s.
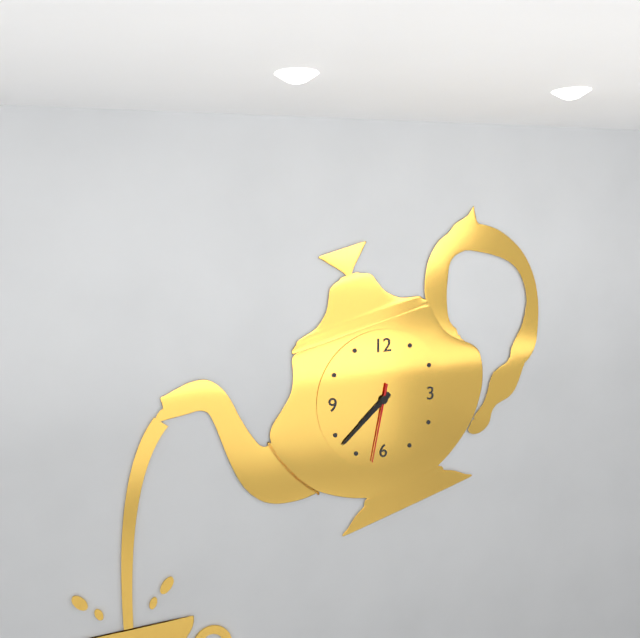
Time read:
7h38m32s
